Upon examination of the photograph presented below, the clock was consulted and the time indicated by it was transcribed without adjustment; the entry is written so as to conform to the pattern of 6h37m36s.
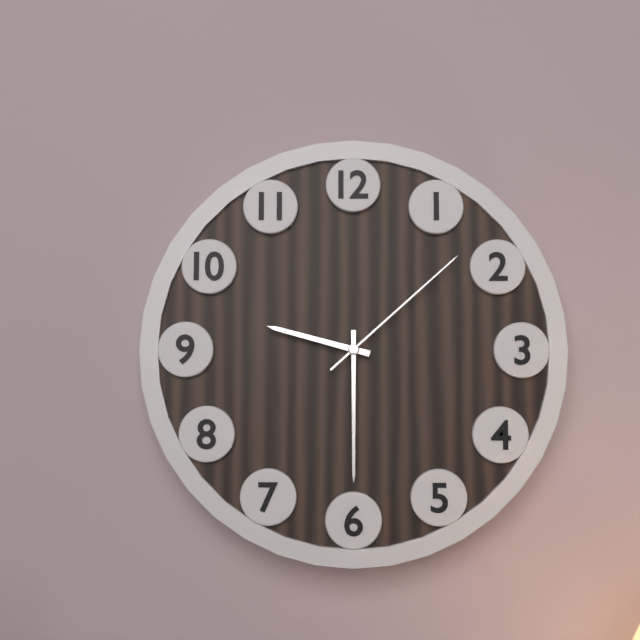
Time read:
9h30m08s
